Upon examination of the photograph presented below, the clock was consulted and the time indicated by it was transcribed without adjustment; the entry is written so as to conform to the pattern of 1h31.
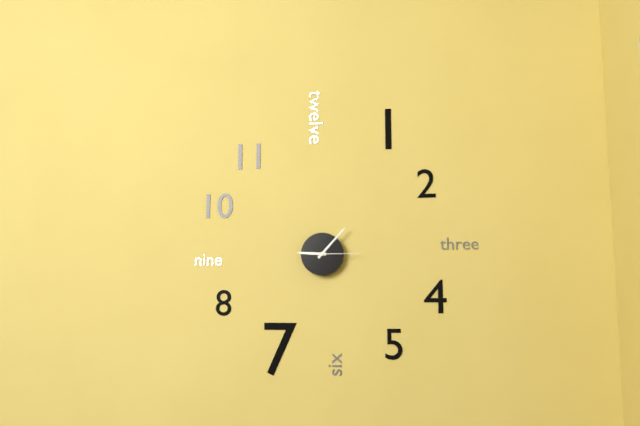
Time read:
9h07
